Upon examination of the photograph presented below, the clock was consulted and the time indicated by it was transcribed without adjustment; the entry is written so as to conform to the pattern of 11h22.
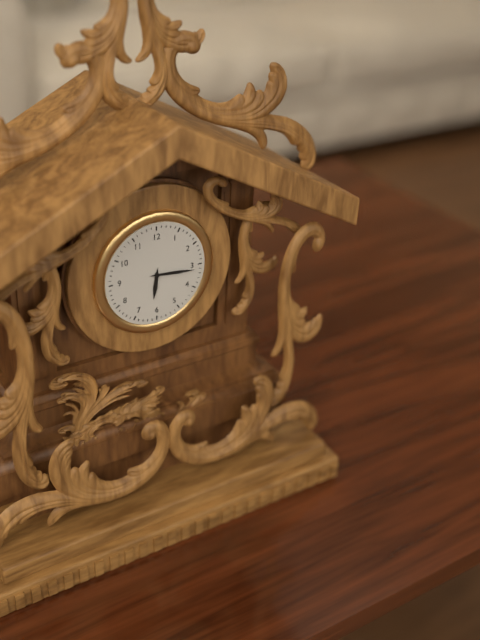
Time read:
6h16
